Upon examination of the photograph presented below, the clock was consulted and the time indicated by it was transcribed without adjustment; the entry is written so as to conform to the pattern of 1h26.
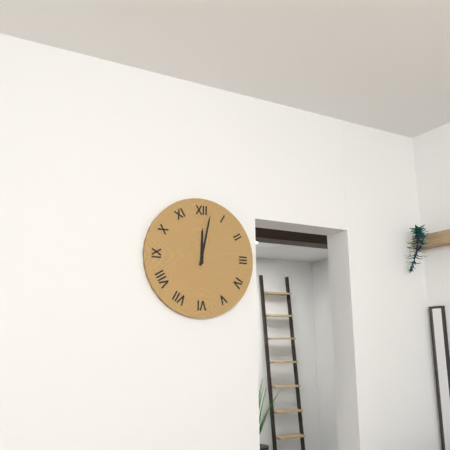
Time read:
12h02
